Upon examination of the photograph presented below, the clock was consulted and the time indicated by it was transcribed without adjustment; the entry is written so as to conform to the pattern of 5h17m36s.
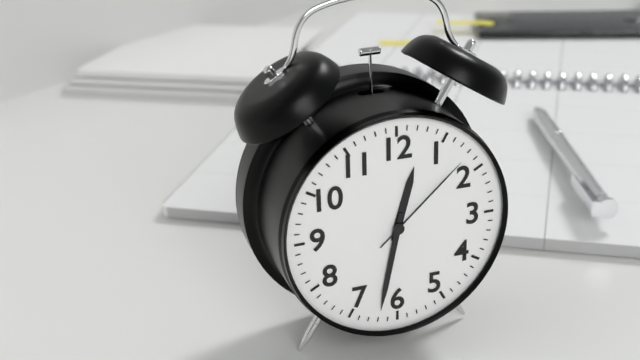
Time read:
12h32m08s
